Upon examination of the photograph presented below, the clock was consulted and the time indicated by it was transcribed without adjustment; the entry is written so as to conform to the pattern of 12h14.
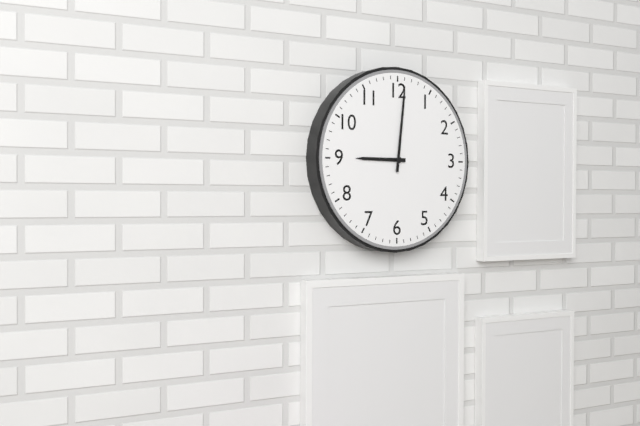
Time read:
9h01
